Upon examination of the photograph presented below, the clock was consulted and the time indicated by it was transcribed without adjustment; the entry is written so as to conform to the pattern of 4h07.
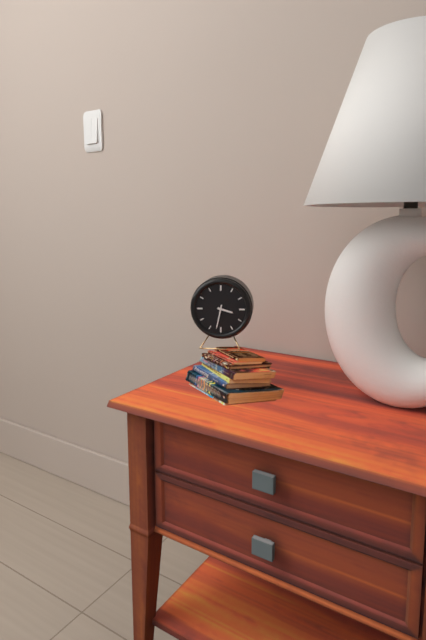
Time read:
3h32
